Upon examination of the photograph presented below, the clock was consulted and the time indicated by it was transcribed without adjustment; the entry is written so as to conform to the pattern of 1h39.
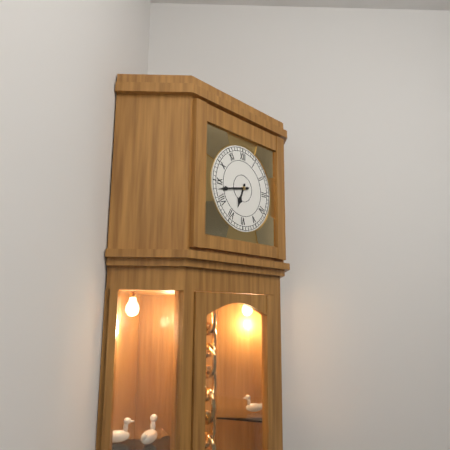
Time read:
6h43
